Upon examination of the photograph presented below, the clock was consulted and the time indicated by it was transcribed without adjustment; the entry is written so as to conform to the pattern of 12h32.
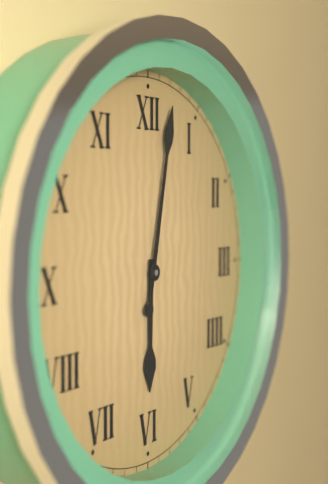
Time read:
6h02
